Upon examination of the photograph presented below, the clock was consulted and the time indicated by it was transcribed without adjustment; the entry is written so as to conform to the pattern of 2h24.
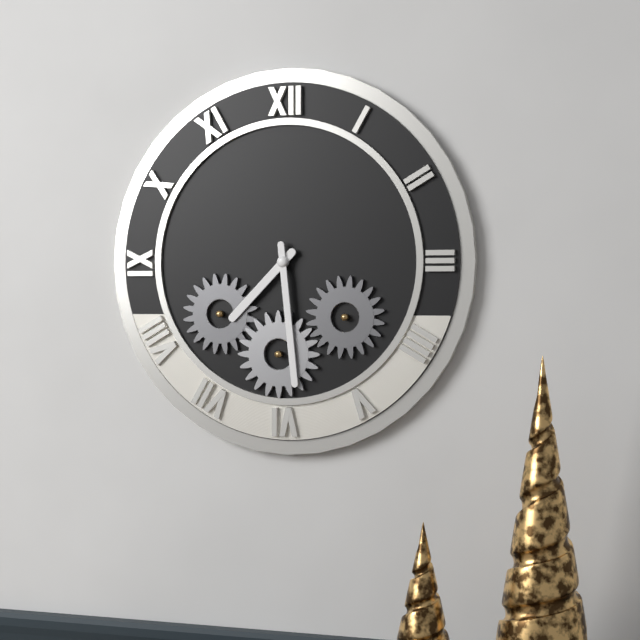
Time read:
7h29
